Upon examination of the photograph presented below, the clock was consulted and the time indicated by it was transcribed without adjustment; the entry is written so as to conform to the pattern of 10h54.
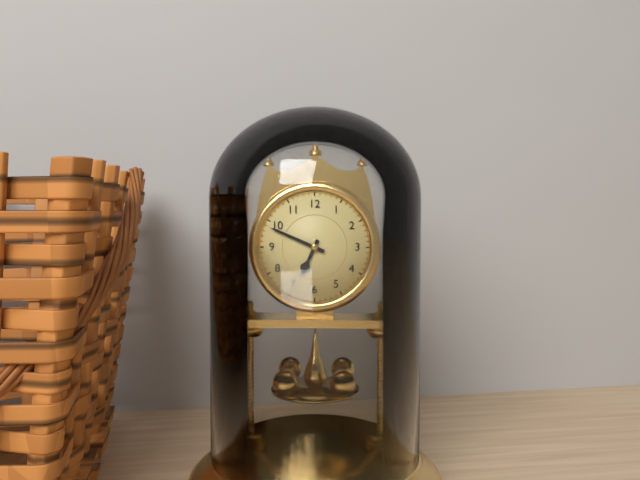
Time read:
6h49
